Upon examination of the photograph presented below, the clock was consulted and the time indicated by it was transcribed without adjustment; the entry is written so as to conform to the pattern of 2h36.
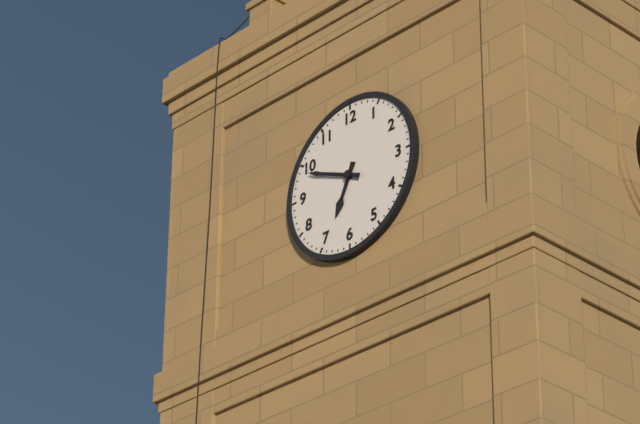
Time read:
6h49
